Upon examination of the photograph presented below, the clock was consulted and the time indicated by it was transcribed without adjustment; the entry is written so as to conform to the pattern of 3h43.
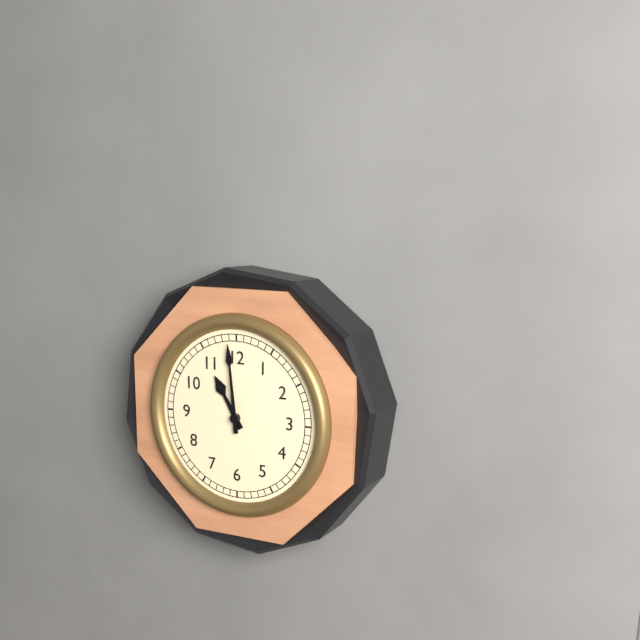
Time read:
10h59
